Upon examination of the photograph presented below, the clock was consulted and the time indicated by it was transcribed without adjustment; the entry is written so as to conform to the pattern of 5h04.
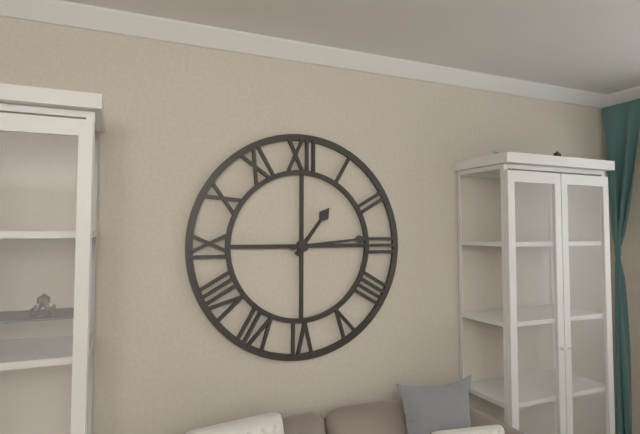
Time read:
1h14
